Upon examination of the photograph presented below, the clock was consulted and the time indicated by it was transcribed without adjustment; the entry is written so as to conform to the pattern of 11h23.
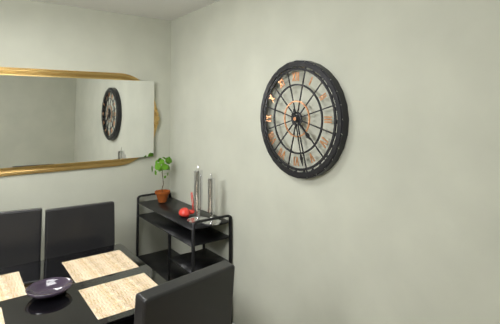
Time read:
4h28
